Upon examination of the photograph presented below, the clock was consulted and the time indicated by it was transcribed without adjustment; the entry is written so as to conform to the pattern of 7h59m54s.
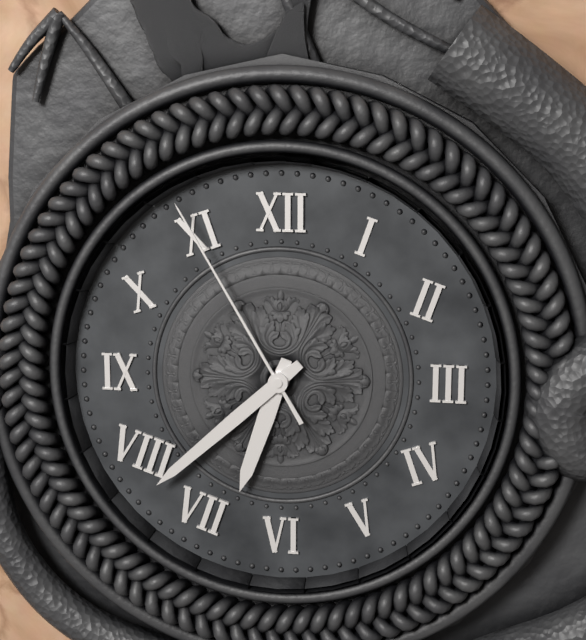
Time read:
6h38m55s
